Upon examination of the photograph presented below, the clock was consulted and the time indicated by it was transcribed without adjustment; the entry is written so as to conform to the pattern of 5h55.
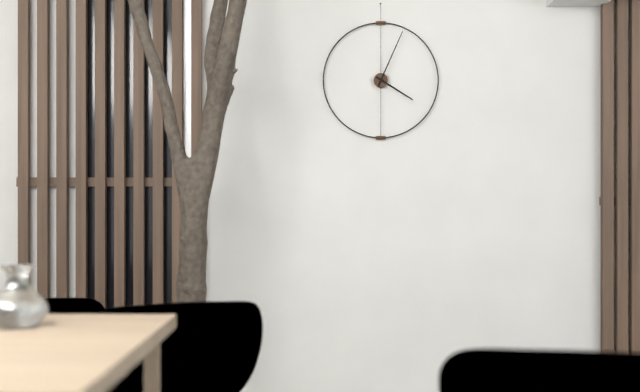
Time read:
4h04
